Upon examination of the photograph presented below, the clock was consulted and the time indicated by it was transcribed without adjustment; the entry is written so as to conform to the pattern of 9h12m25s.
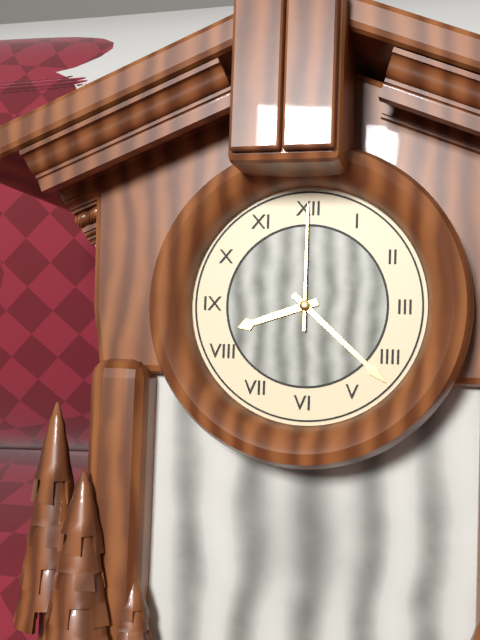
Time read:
8h22m00s
